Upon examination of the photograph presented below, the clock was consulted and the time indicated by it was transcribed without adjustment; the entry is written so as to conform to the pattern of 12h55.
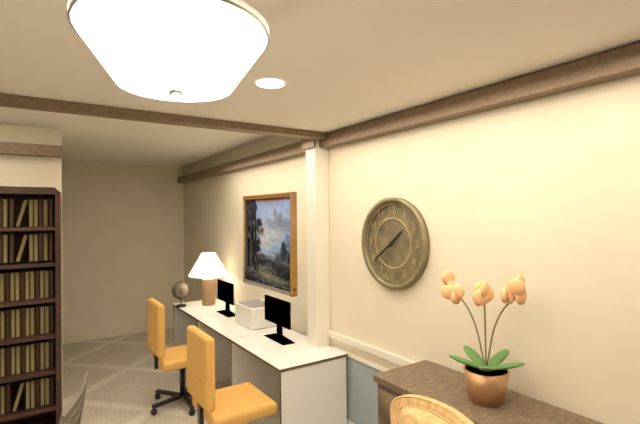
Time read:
1h39
